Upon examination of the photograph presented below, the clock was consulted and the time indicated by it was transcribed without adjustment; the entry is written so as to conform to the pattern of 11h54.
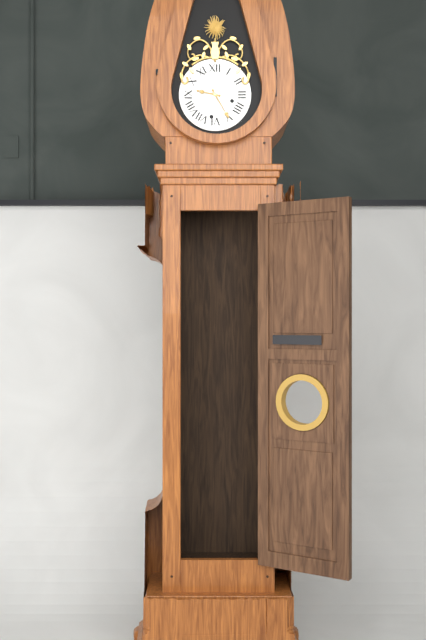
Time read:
9h25
